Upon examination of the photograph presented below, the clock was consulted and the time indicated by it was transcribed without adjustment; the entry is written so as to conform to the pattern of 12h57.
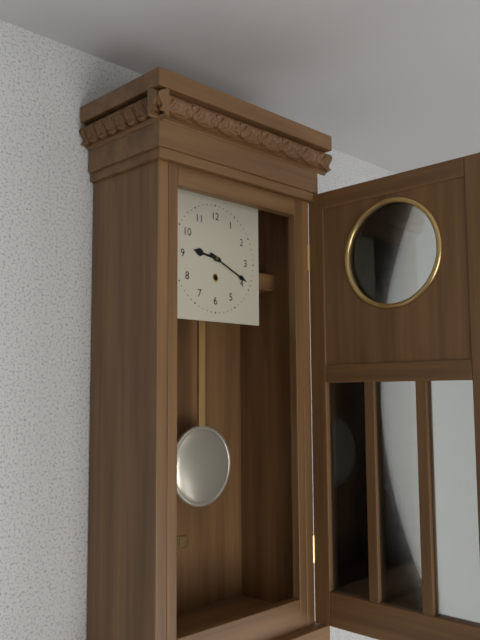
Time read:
9h19
